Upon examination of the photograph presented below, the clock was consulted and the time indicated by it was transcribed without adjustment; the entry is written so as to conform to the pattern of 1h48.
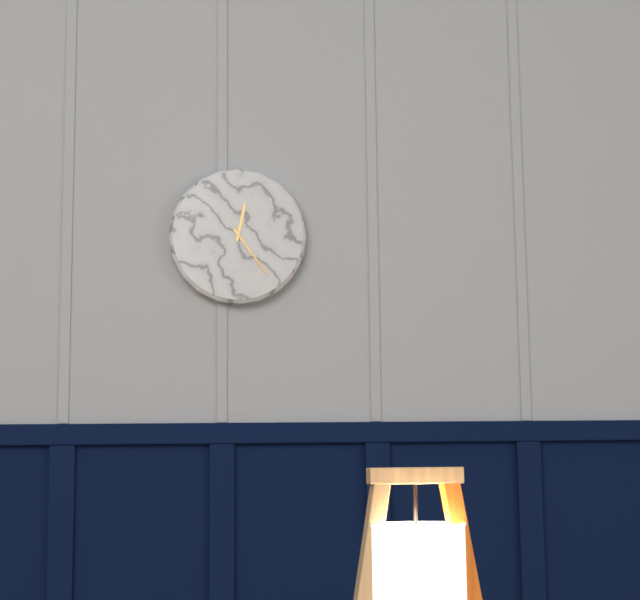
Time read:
12h24
